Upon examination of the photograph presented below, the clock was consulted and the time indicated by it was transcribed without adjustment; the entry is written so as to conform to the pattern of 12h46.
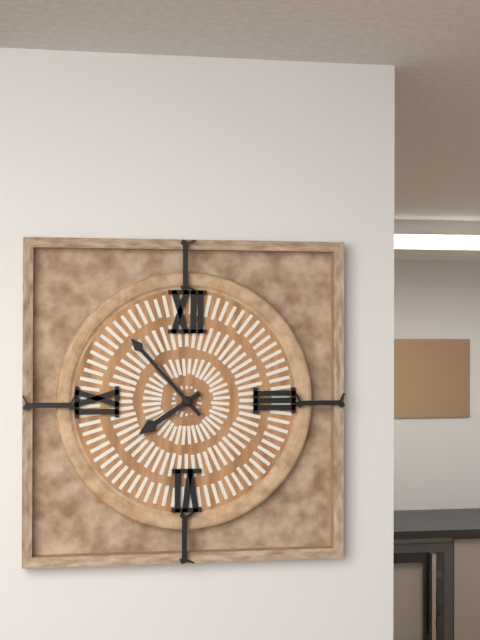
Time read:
7h53
